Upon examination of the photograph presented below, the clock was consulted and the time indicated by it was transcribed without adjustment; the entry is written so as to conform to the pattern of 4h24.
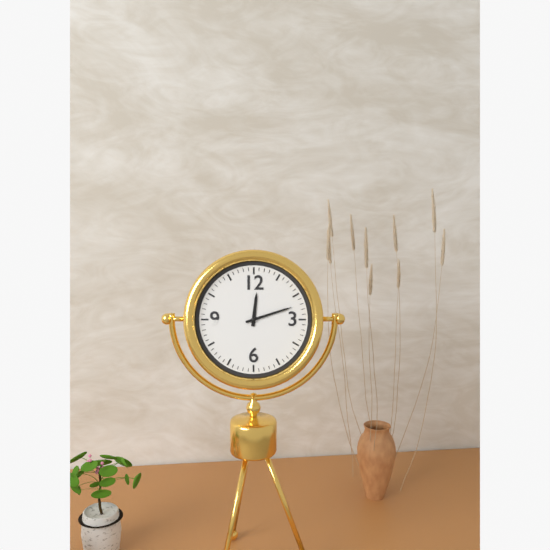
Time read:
12h12
